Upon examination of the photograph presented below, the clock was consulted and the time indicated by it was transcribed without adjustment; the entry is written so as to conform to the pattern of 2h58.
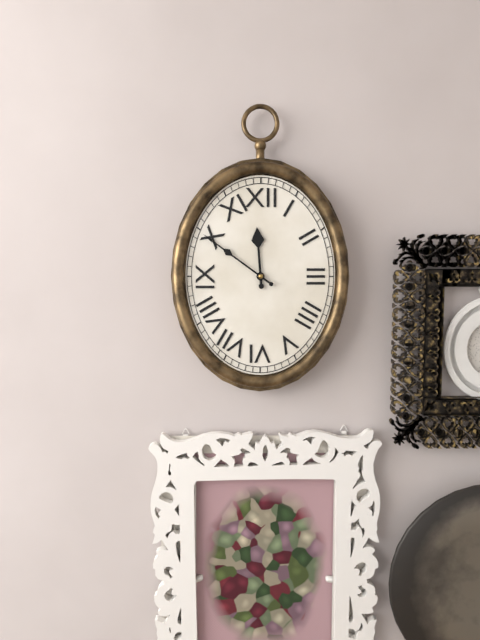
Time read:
11h51
